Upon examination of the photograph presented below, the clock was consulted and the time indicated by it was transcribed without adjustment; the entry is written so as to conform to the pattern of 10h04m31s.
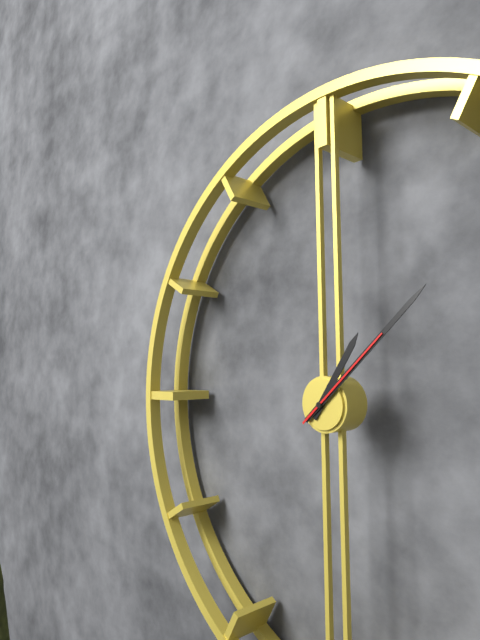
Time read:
1h08m08s
